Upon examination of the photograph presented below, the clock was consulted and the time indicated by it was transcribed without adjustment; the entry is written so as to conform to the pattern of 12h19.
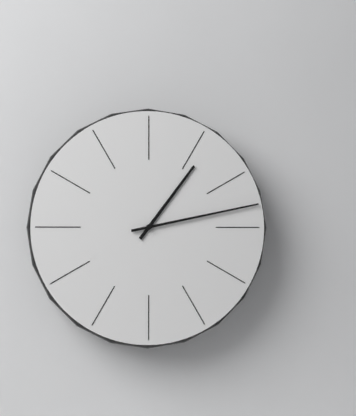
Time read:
1h13
